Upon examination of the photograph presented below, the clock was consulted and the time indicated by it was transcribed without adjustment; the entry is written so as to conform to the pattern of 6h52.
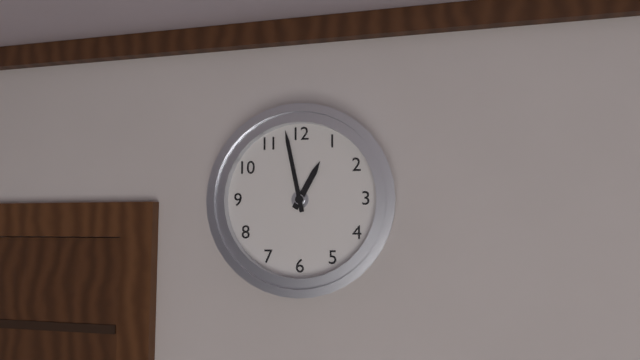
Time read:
12h58
